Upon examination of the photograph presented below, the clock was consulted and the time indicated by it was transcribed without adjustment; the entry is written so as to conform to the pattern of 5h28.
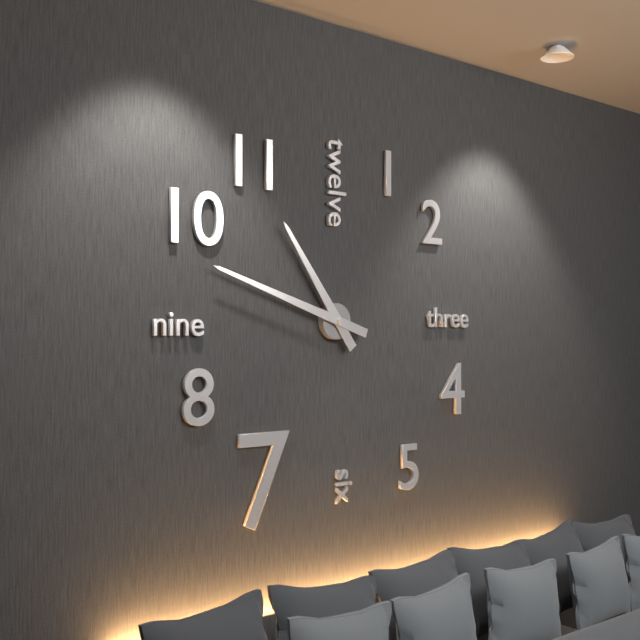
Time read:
10h48
